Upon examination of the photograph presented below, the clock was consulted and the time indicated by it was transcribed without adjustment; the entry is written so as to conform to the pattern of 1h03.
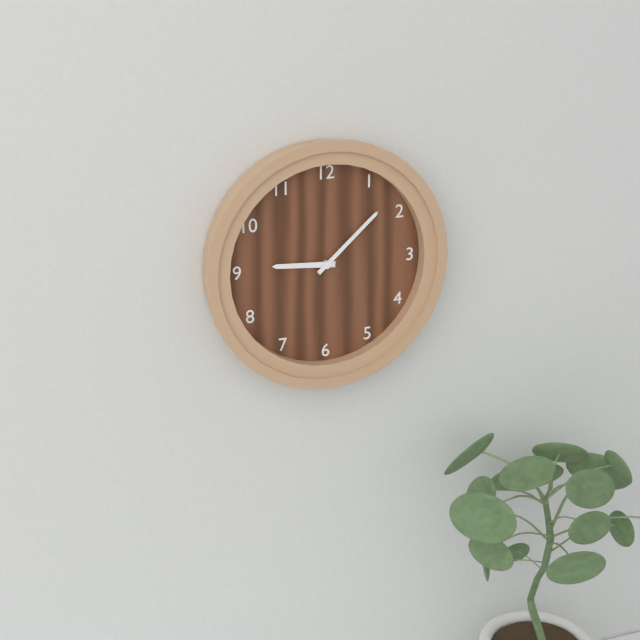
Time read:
9h08
